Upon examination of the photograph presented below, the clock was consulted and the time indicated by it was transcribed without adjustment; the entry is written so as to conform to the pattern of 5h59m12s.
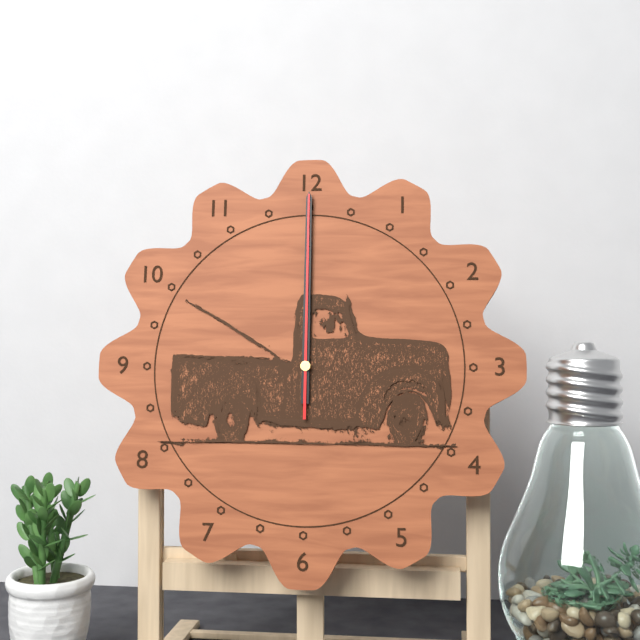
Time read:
12h00m00s
